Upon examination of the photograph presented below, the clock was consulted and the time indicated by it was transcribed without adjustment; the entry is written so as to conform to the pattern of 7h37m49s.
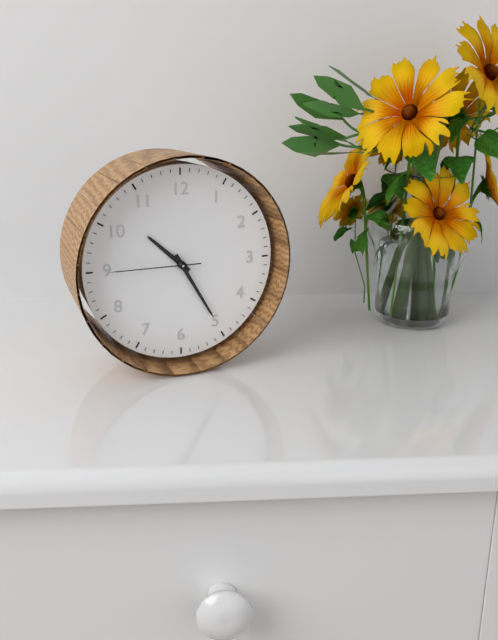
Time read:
10h25m45s
